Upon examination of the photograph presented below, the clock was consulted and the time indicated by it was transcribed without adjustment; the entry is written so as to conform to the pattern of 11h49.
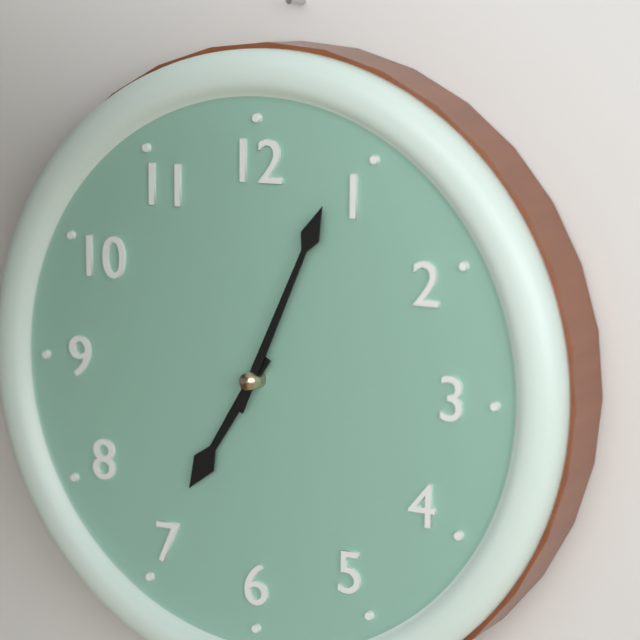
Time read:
7h04
